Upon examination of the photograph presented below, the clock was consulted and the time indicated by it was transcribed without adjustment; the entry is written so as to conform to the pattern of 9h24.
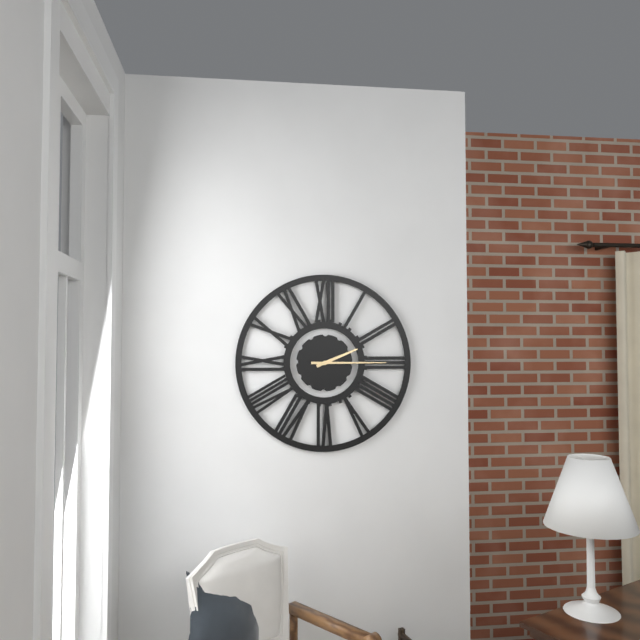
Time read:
2h15
